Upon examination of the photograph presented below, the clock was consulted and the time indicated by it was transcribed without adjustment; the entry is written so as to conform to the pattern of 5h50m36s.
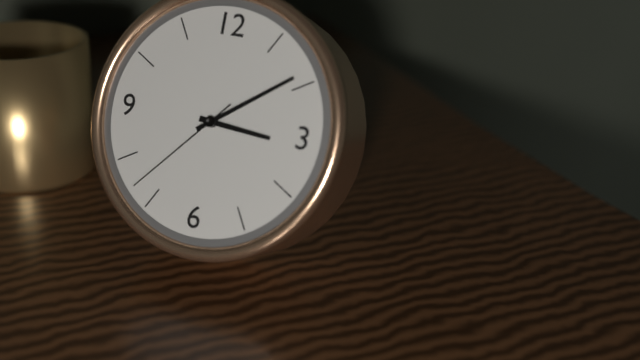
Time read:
3h09m37s
